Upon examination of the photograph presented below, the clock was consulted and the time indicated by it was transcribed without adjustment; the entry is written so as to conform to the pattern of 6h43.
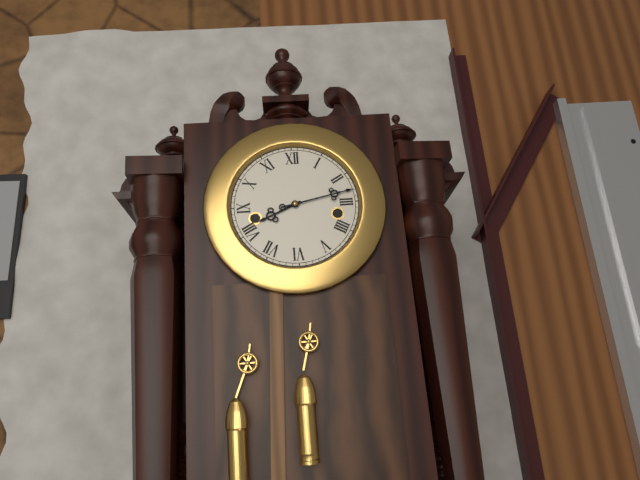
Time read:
8h13
